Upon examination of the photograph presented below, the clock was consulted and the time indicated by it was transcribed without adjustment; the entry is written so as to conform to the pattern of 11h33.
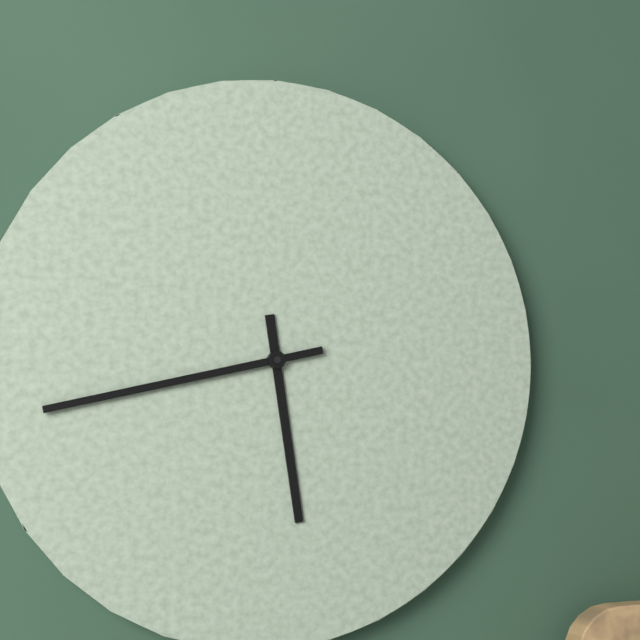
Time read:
5h43
